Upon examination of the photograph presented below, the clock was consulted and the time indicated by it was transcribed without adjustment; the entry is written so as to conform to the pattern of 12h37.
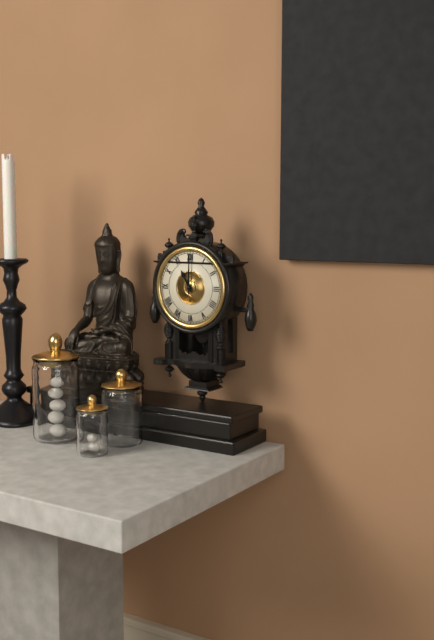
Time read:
11h00
